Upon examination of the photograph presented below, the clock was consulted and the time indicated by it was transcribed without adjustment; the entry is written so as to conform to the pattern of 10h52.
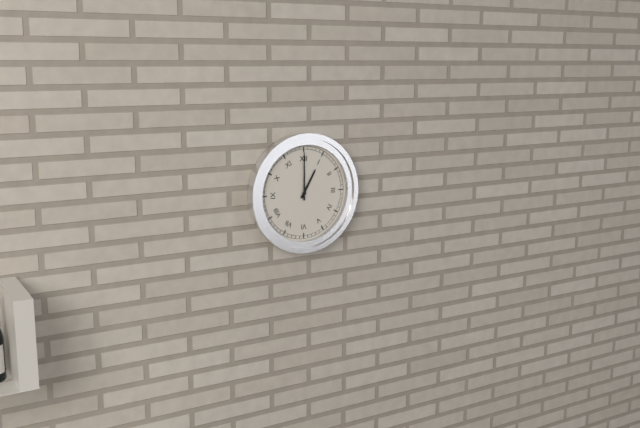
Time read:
1h00
